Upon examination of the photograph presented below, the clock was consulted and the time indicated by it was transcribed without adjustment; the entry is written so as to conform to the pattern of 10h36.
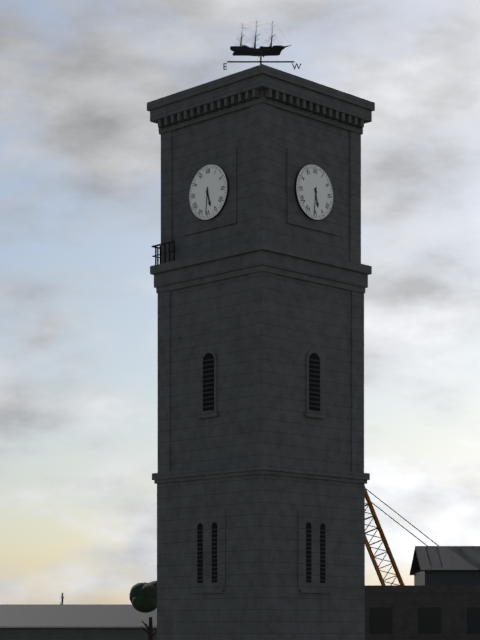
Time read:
5h31
